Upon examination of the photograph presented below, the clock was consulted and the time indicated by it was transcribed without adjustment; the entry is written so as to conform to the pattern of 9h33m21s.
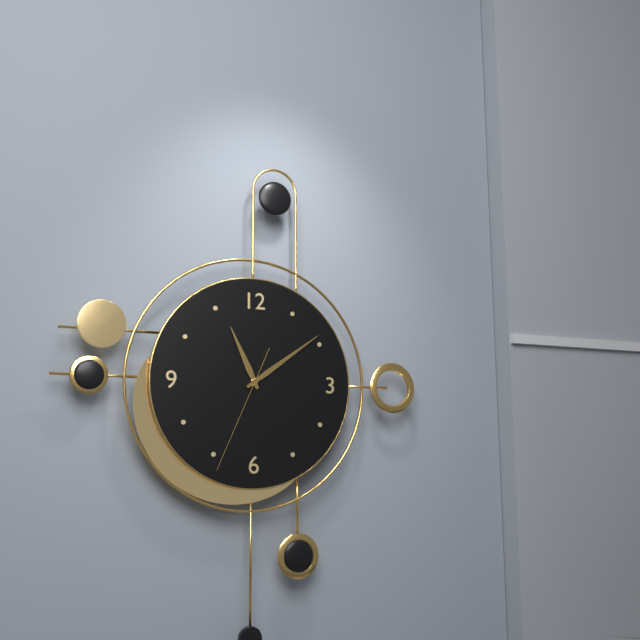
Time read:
11h09m34s
